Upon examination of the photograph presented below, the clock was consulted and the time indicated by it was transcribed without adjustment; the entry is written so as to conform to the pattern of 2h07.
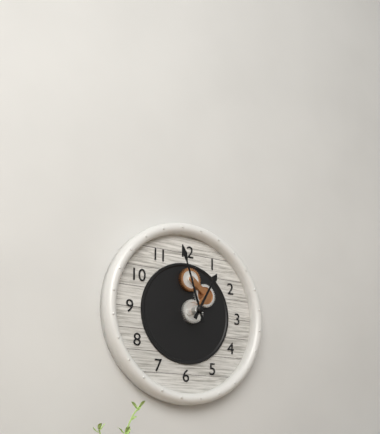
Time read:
12h57
